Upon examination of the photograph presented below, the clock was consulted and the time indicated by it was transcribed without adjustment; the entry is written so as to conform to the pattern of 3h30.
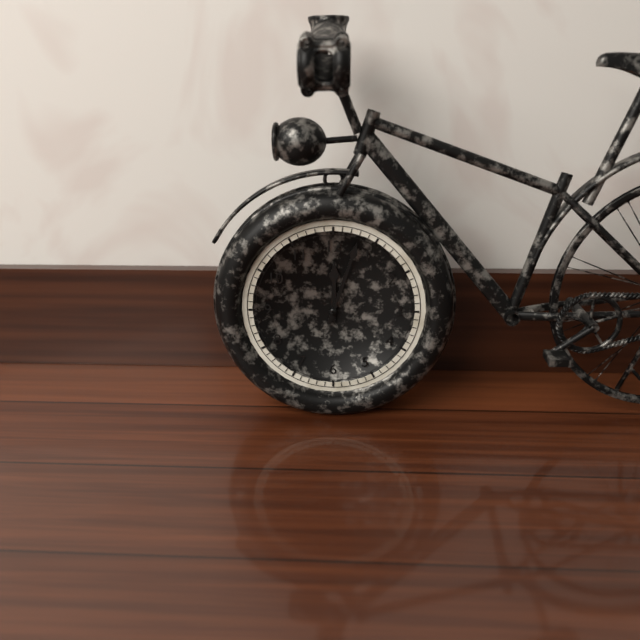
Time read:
12h03
